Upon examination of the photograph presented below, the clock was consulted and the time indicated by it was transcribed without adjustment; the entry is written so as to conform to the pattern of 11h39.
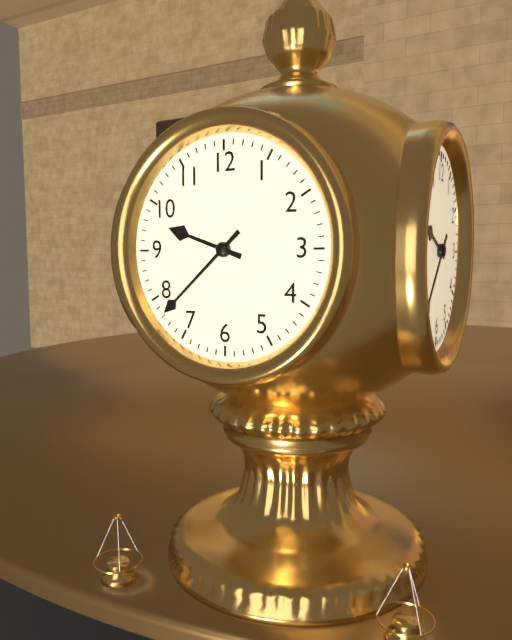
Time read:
9h38
